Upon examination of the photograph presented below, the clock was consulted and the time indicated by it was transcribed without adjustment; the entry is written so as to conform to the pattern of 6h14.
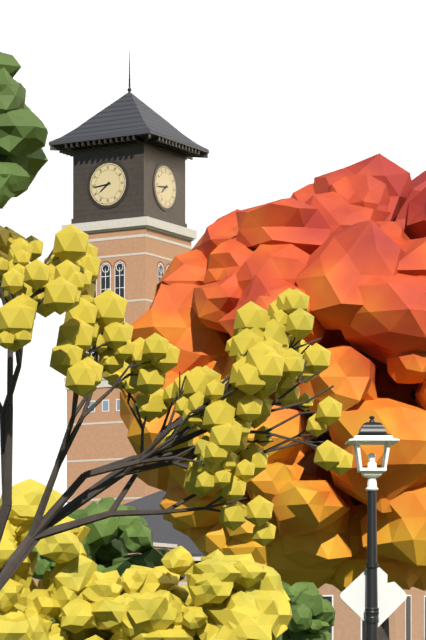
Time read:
7h44
